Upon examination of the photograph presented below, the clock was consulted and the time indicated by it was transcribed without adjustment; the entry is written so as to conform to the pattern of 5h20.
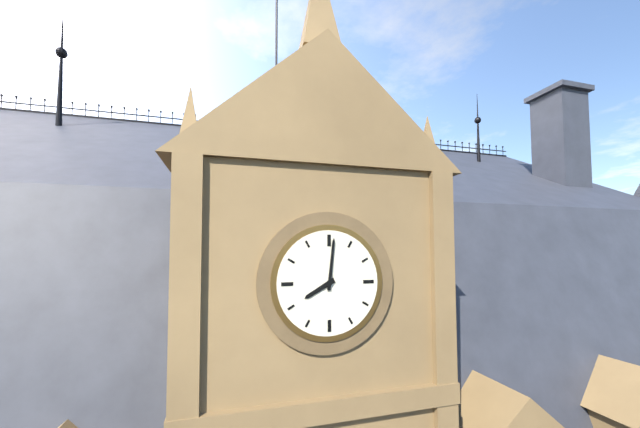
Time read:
8h01
